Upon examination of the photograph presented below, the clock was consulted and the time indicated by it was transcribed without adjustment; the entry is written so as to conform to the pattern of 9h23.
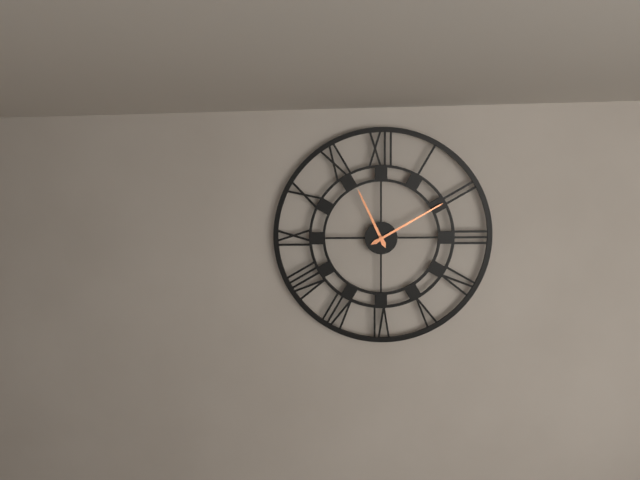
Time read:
11h10
